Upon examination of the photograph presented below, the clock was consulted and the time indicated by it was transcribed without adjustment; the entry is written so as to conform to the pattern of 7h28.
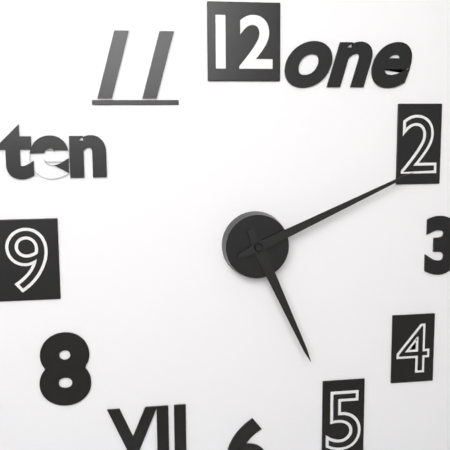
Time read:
5h11
